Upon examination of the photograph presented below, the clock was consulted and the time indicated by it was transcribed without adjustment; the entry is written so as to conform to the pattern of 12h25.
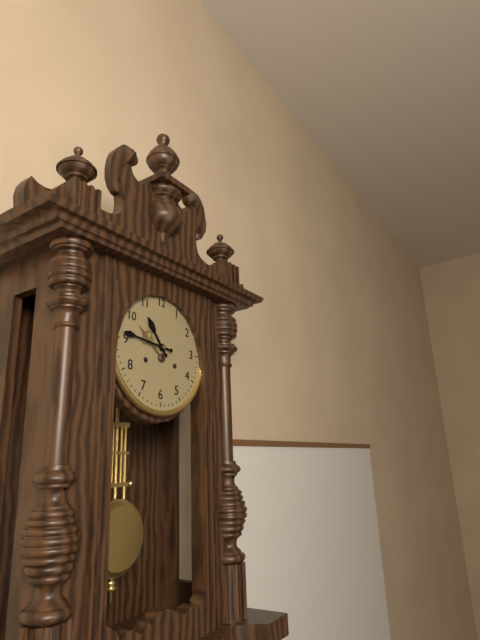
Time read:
10h46
